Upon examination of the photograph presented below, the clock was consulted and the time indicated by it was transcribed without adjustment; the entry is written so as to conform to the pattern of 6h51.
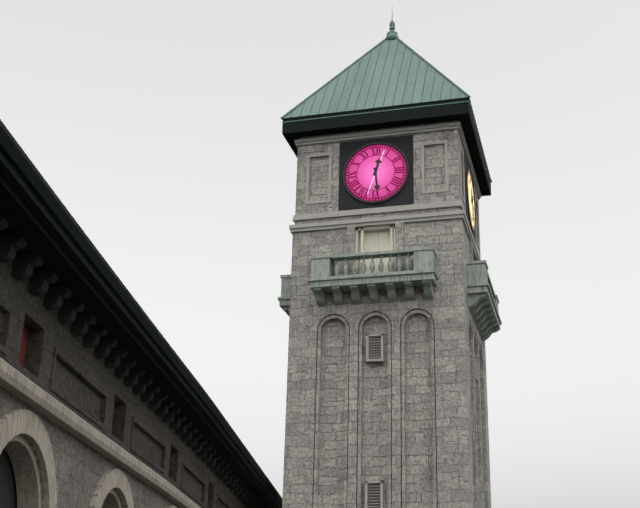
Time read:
12h29
